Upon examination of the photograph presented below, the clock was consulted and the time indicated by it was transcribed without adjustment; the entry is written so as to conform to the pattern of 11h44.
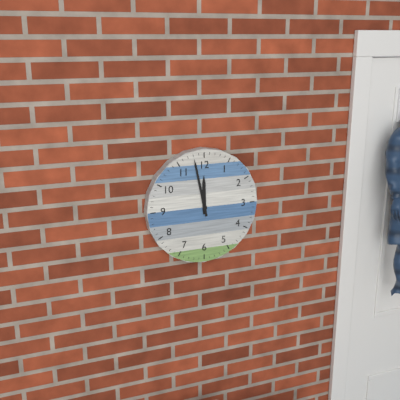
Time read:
11h58
